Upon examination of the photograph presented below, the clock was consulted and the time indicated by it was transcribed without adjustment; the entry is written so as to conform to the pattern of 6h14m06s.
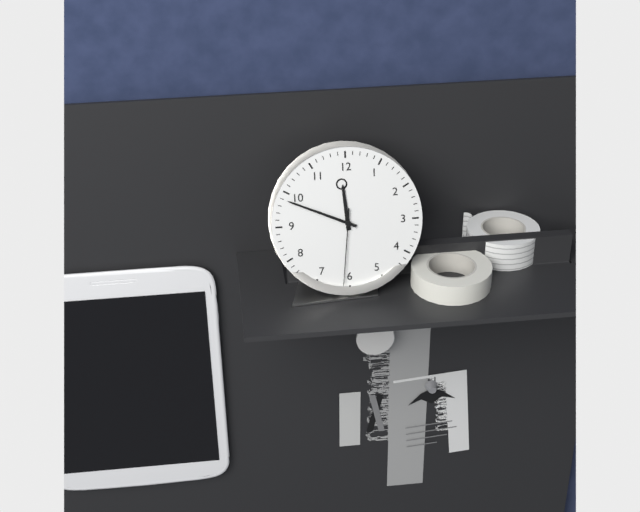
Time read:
11h49m31s
